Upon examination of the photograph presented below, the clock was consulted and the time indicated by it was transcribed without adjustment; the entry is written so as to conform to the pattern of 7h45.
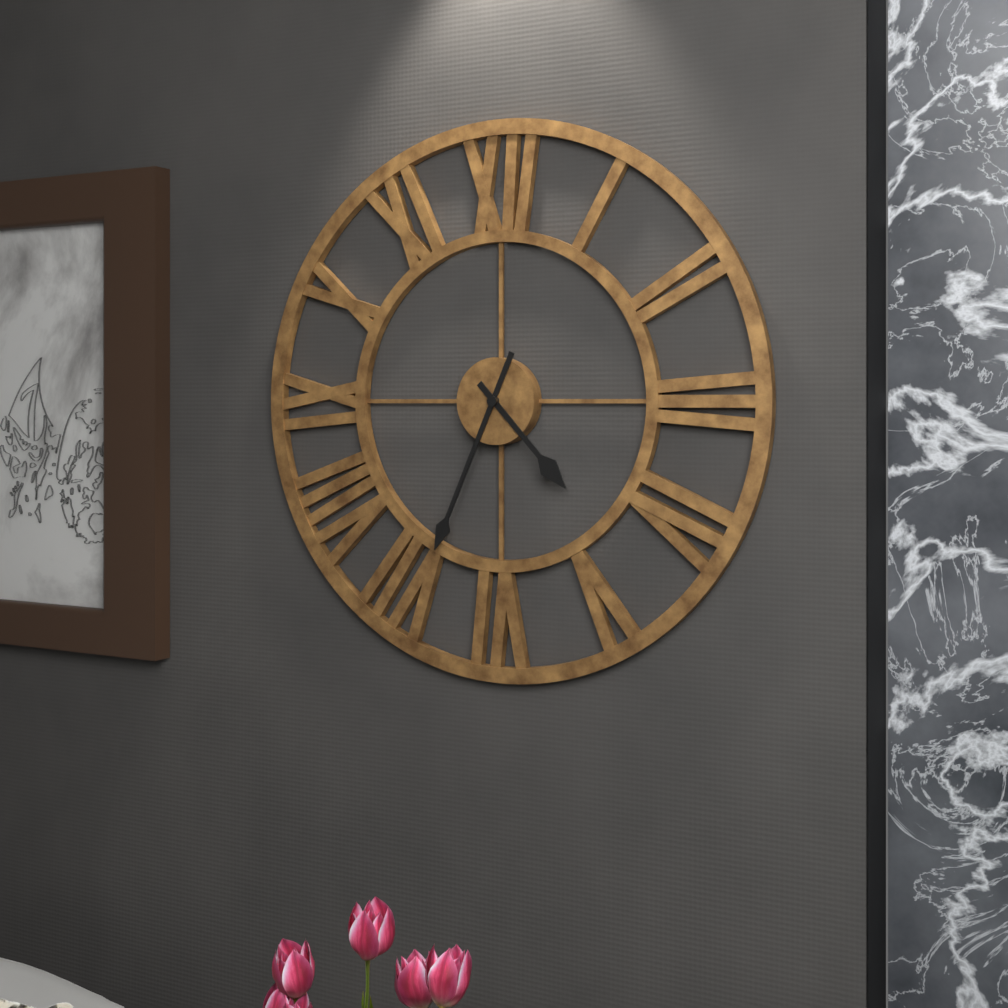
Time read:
4h34
